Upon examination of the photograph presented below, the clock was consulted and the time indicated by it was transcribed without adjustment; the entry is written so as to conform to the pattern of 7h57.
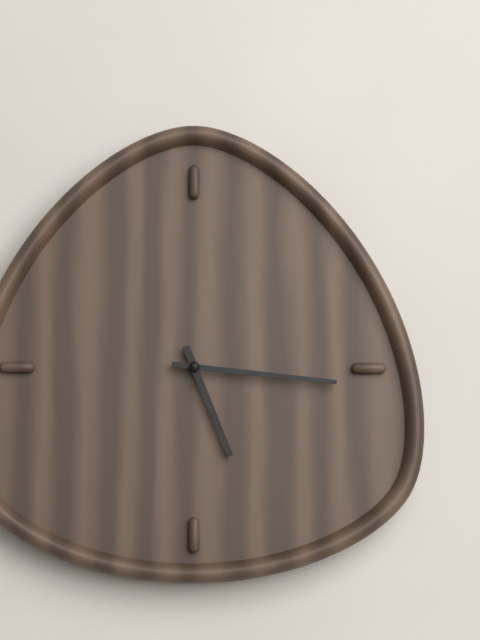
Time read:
5h16
